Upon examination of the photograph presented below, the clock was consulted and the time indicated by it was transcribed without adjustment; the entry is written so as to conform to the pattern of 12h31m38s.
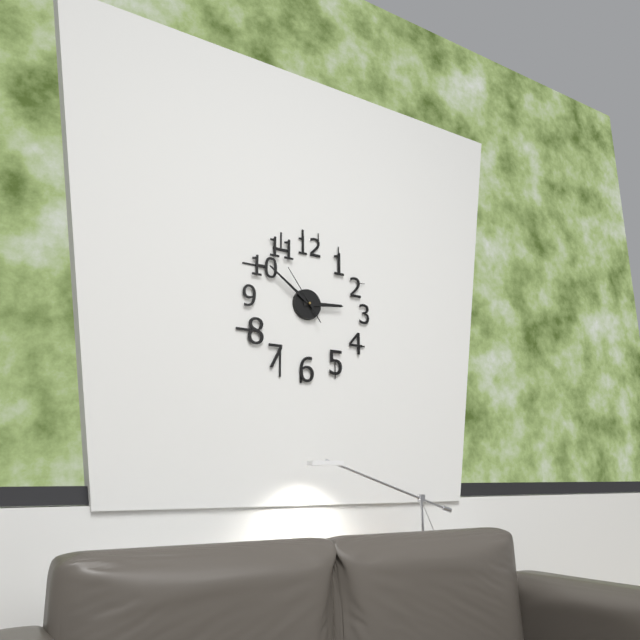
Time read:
2h51m54s
